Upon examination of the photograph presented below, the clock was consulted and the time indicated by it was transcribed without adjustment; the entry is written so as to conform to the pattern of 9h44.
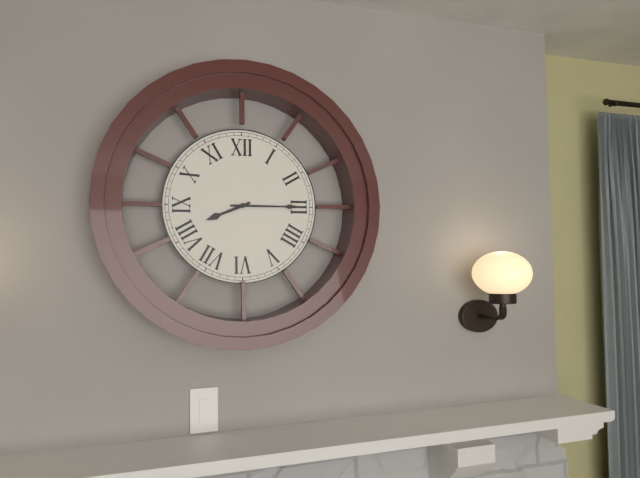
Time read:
8h15
